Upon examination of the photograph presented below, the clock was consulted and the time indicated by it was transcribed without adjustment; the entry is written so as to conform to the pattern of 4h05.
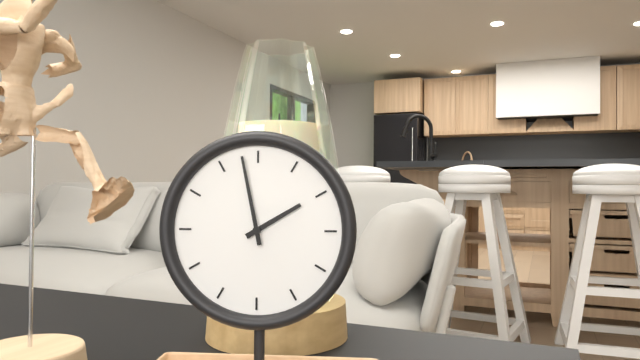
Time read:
1h58
